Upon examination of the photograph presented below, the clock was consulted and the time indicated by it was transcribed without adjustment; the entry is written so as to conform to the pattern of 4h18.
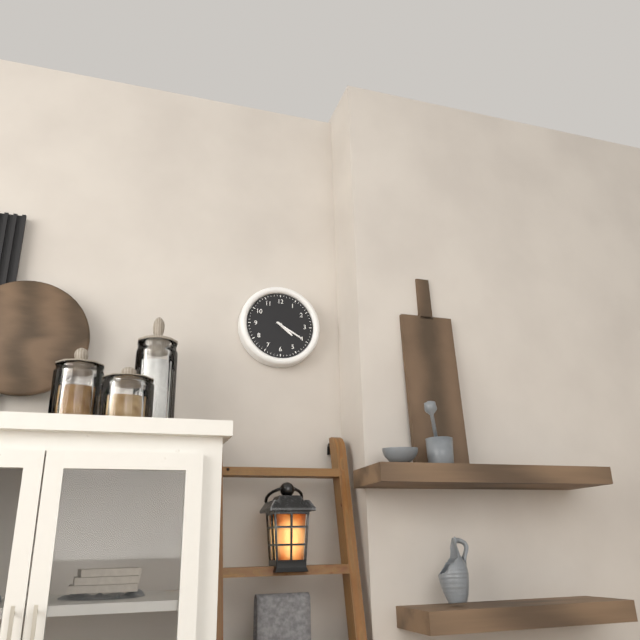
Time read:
4h20
